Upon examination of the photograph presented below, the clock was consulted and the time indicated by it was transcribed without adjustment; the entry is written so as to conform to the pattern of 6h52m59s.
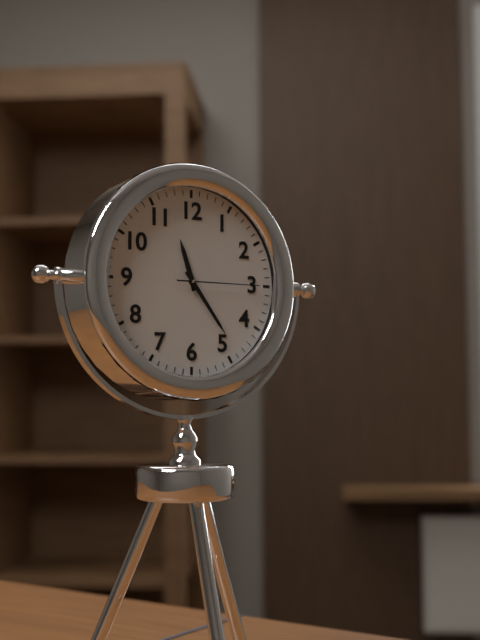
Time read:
11h24m15s
